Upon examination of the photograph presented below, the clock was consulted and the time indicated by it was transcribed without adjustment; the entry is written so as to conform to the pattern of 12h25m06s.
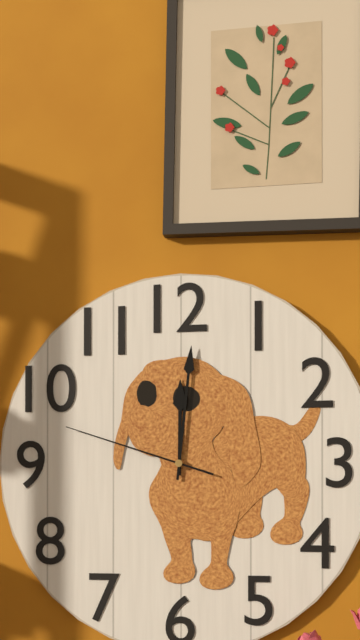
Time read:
12h01m48s
